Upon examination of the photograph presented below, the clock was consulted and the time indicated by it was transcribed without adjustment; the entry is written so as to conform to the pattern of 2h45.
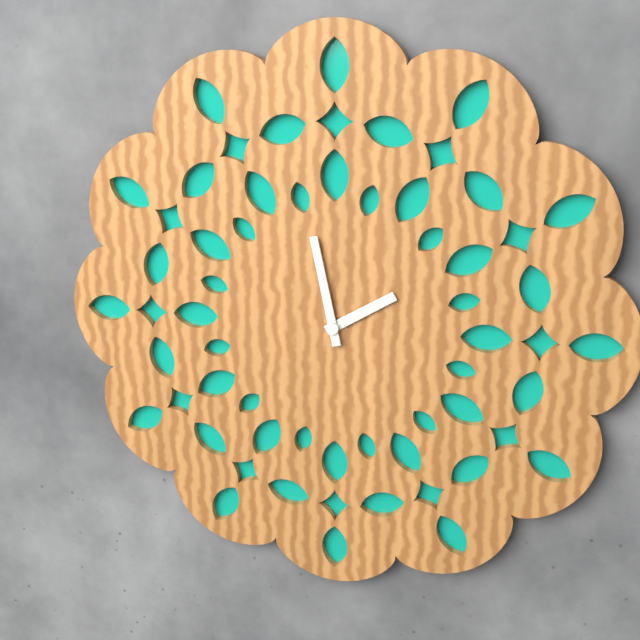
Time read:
1h58
